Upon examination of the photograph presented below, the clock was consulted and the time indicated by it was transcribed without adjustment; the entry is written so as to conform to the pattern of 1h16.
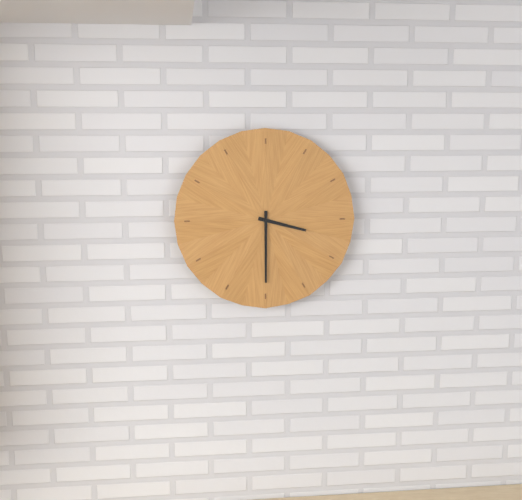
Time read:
3h30
